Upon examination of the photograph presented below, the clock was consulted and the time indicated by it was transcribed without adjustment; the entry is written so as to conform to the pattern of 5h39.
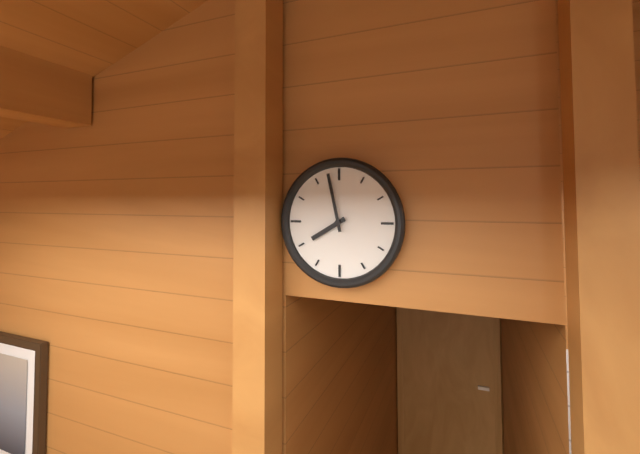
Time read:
7h58
